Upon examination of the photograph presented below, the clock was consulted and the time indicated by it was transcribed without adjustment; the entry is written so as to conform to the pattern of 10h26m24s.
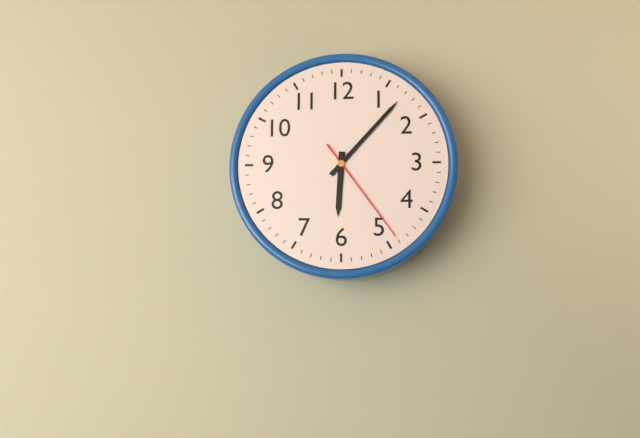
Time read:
6h07m24s
